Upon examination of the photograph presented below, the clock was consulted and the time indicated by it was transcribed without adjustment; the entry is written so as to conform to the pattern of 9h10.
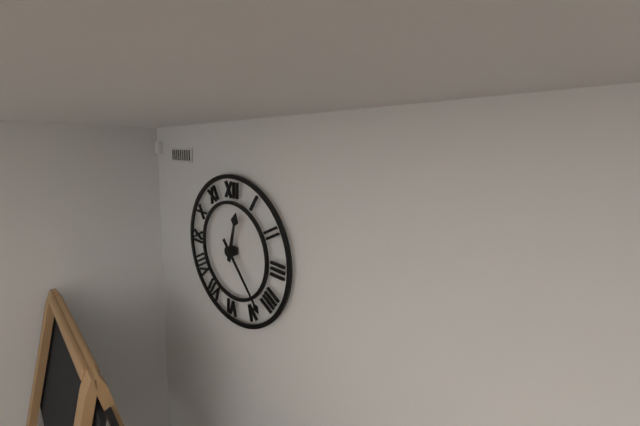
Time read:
12h23
